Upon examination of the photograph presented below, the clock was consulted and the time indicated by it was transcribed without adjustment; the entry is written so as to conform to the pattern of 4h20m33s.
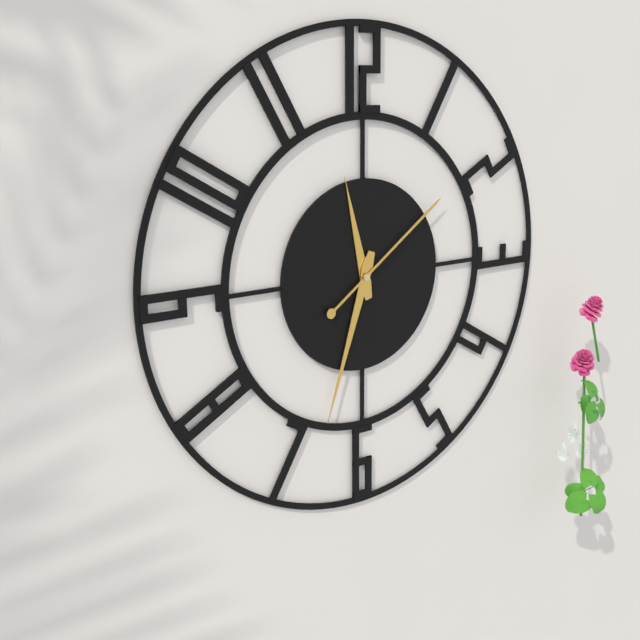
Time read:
11h33m09s
